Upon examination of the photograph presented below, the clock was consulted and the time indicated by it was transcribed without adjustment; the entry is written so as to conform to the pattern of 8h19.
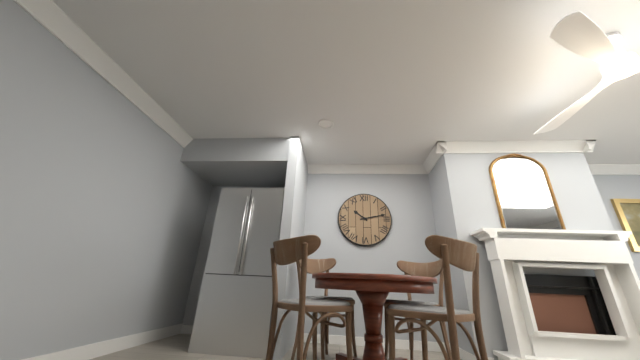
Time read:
10h13
